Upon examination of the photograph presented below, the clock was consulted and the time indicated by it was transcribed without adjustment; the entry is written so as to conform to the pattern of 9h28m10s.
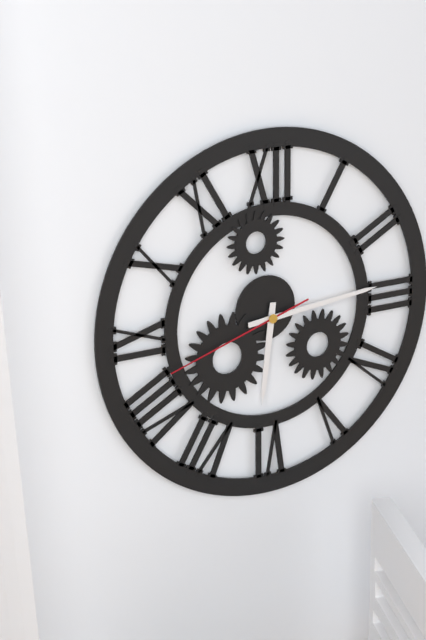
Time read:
6h14m42s
